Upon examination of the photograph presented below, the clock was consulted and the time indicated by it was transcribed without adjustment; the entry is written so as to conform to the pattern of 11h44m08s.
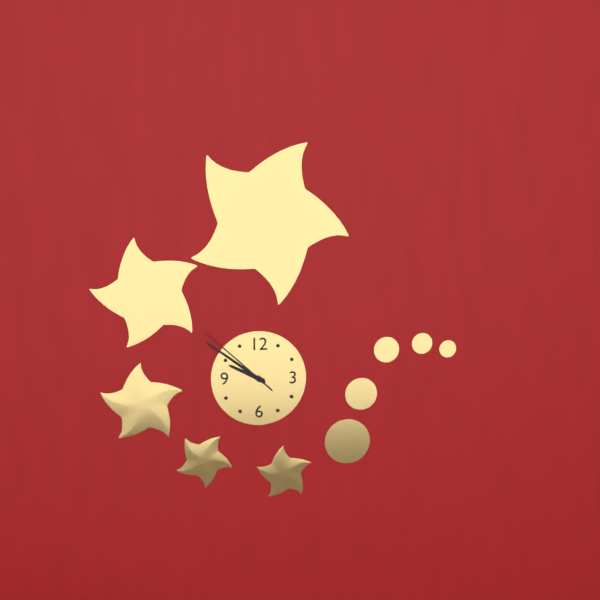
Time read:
9h51m52s
